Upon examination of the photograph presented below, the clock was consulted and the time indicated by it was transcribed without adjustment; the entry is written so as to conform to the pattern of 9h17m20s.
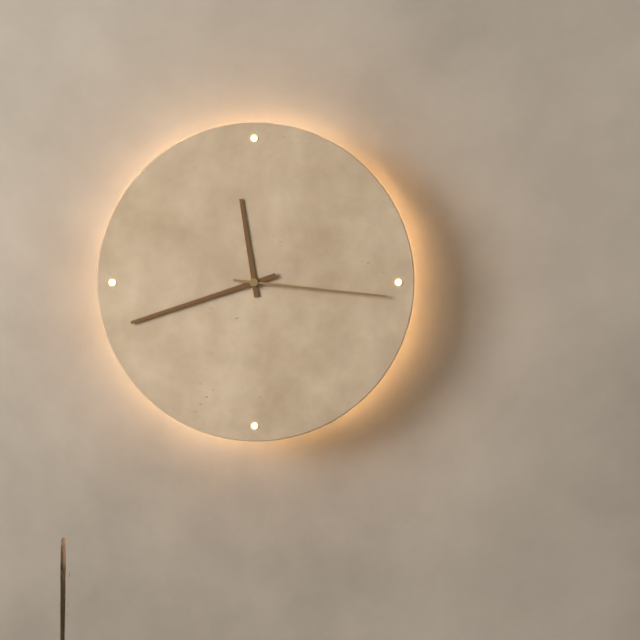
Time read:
11h42m16s
